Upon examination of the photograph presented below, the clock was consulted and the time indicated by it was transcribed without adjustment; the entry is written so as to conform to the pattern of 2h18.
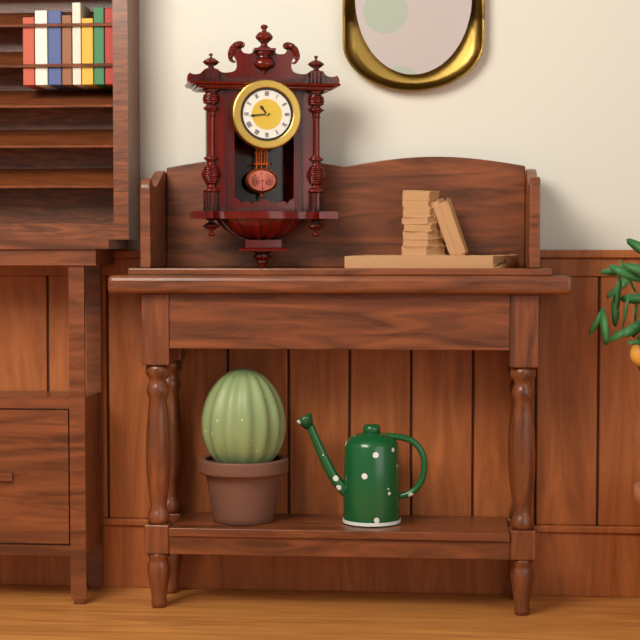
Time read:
10h44
